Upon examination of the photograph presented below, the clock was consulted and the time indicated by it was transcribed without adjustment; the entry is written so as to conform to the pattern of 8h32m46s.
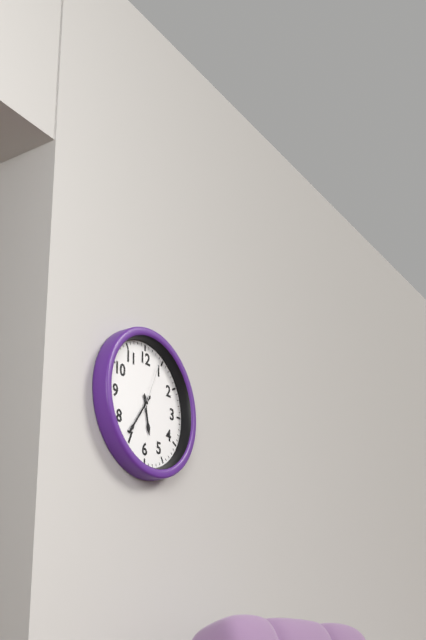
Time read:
5h36m04s
